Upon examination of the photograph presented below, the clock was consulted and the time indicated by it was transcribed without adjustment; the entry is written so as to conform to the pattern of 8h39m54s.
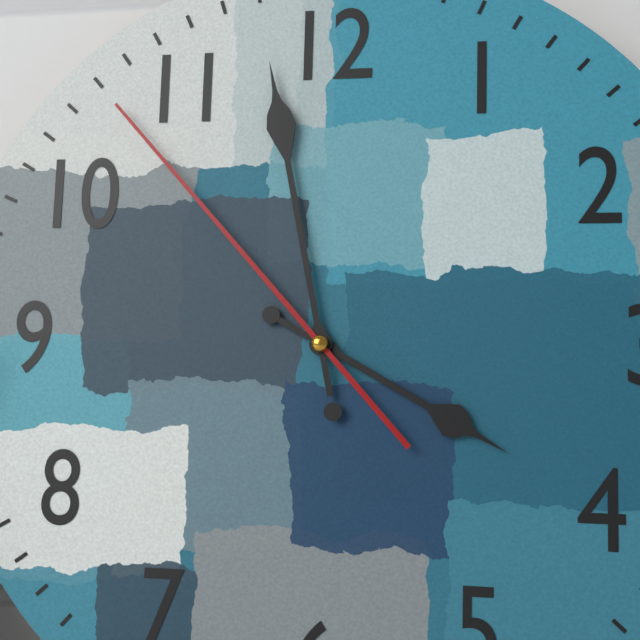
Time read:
3h58m53s
